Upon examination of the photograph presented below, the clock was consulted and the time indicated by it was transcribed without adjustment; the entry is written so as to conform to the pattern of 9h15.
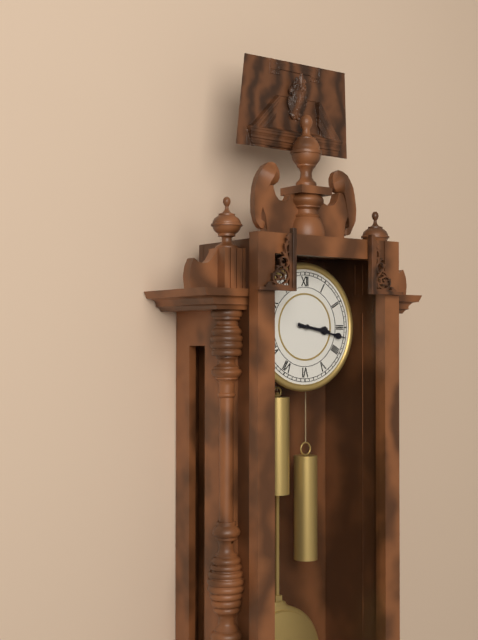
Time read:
3h17
